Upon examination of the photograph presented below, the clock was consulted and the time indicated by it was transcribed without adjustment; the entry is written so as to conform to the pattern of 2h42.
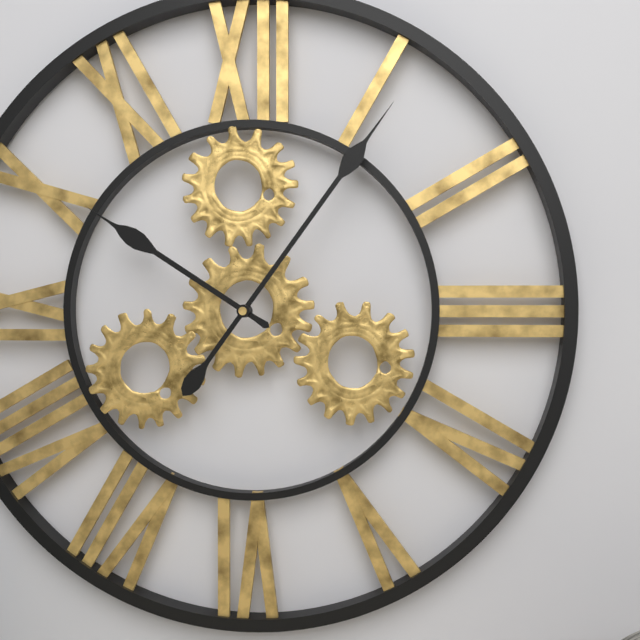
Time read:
10h06
